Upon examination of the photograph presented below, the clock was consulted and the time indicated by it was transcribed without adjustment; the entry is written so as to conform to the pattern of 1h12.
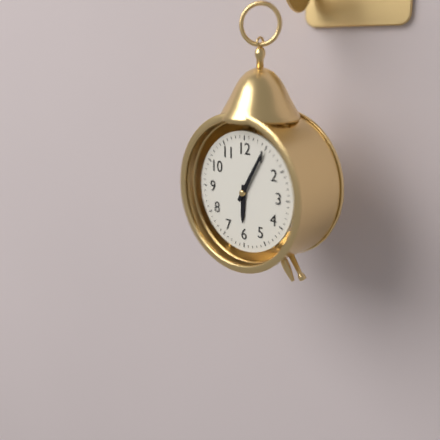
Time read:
6h05
